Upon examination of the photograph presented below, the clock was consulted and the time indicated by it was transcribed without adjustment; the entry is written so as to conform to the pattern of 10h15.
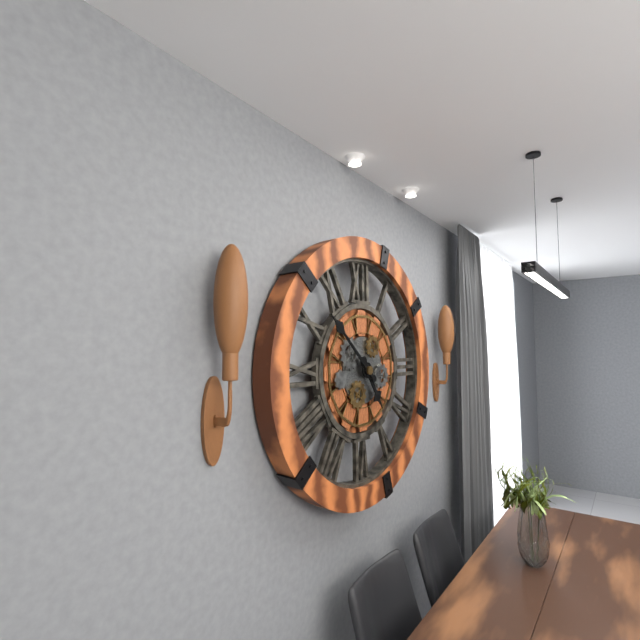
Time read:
4h52
